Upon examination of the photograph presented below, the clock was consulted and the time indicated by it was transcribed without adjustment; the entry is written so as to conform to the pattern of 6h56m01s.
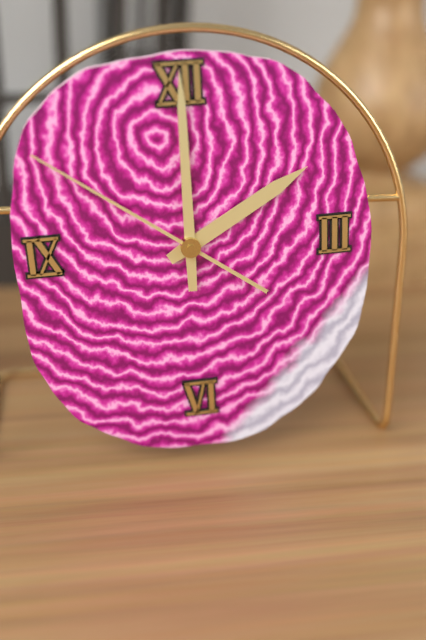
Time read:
2h00m51s
